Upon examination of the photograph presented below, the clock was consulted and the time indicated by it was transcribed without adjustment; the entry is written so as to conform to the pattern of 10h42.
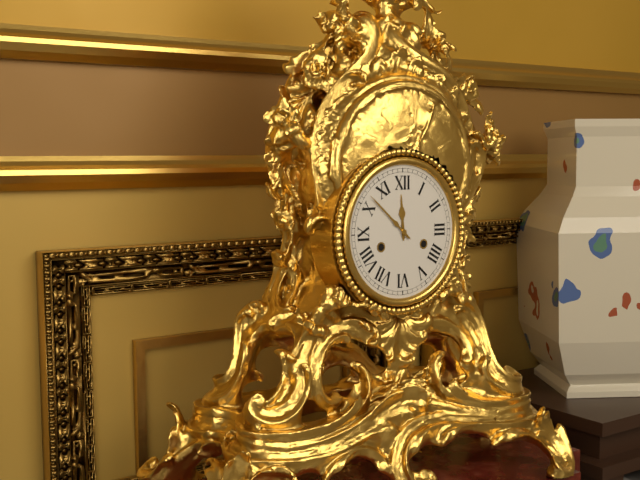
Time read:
11h52
